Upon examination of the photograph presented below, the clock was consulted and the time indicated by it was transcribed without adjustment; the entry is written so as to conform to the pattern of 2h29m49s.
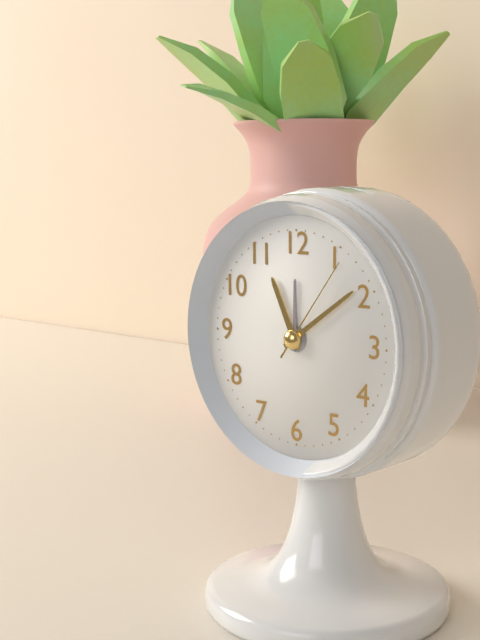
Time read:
11h09m06s
